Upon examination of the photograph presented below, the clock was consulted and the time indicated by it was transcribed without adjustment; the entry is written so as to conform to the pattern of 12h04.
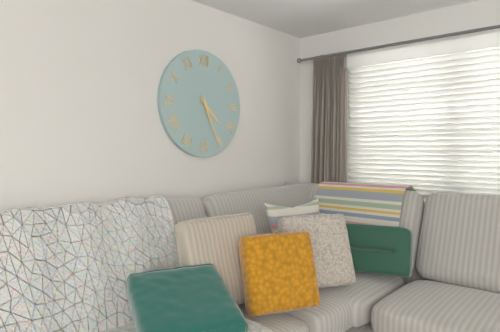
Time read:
4h26
